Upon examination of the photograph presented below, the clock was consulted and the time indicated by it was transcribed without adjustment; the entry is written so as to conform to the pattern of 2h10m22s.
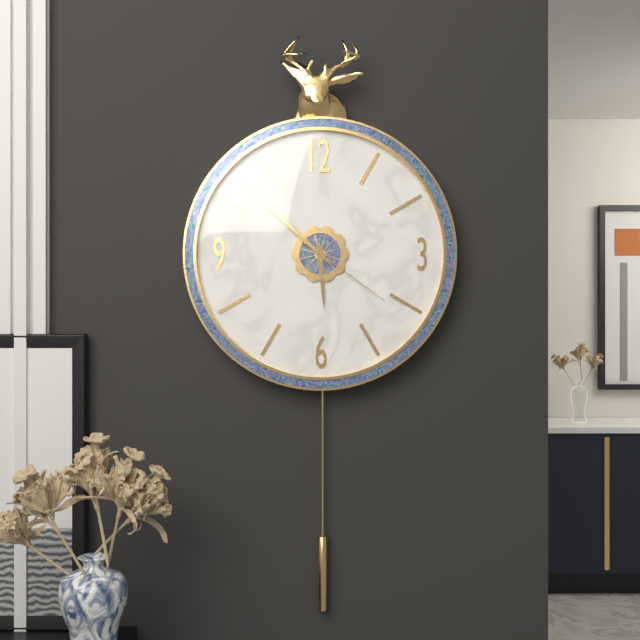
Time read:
5h52m21s
